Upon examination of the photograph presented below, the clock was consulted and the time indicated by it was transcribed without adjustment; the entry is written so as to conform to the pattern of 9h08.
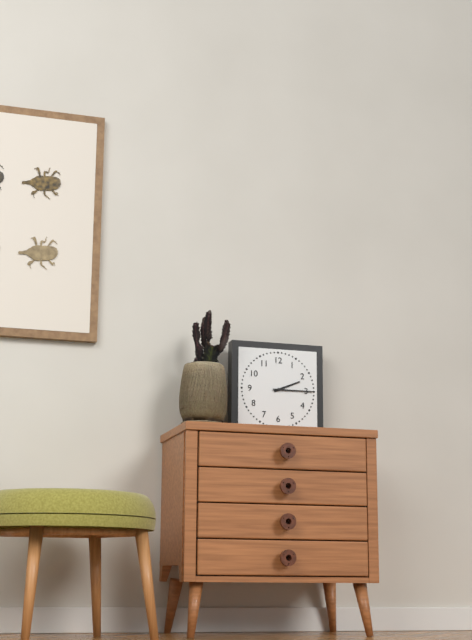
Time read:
2h15
